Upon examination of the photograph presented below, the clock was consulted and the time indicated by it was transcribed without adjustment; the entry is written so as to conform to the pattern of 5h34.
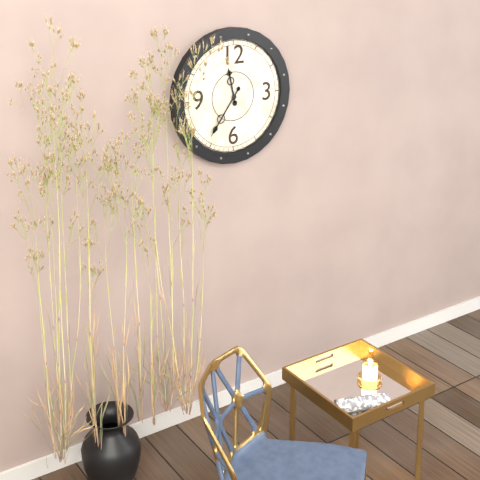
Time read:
11h36
